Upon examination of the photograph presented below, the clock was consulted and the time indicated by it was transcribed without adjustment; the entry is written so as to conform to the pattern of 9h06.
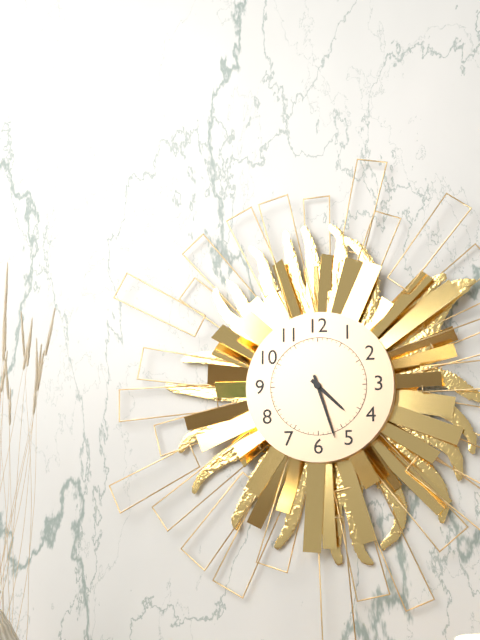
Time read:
4h27
